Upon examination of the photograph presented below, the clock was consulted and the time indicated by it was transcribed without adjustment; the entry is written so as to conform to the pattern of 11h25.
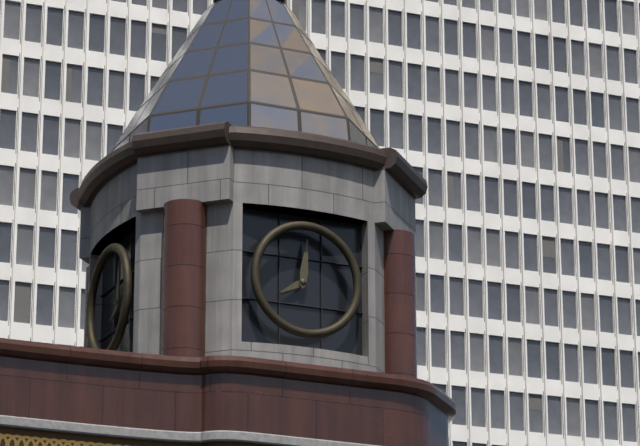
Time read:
8h01
